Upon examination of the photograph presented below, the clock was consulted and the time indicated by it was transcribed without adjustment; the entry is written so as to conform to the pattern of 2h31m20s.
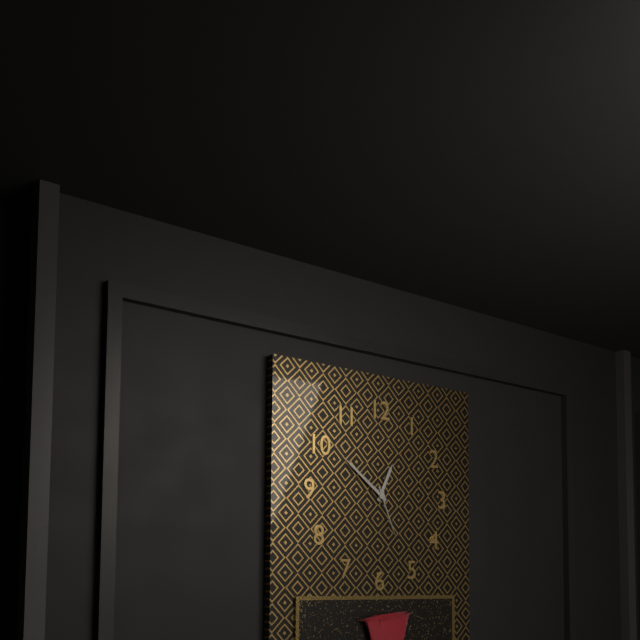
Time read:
12h51m26s
